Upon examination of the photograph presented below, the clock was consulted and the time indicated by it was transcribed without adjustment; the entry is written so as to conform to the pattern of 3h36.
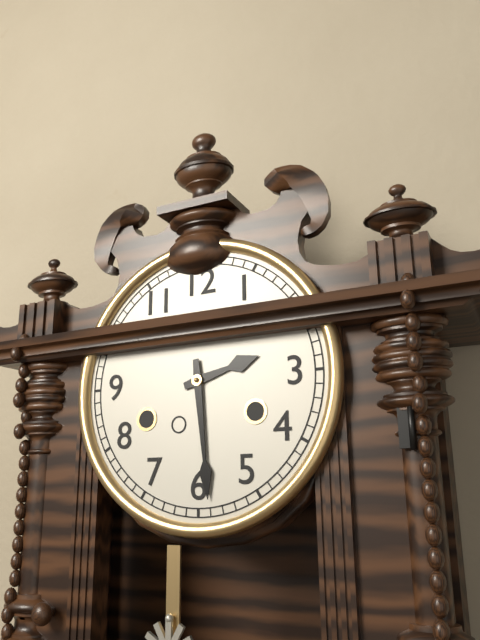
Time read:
2h29
